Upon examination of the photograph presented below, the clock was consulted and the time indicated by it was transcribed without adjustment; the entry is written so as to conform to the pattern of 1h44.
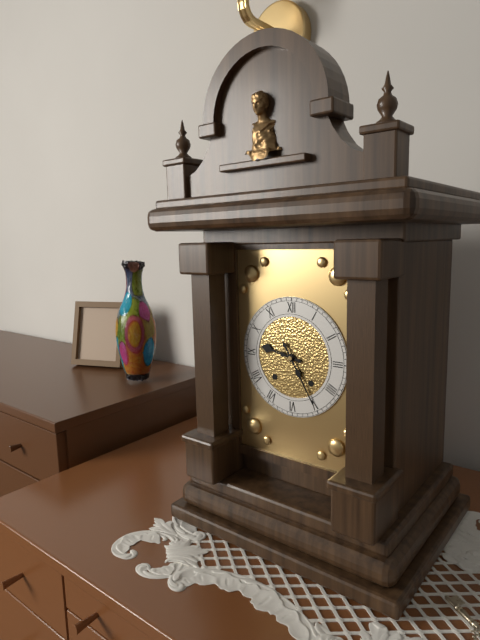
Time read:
9h25
